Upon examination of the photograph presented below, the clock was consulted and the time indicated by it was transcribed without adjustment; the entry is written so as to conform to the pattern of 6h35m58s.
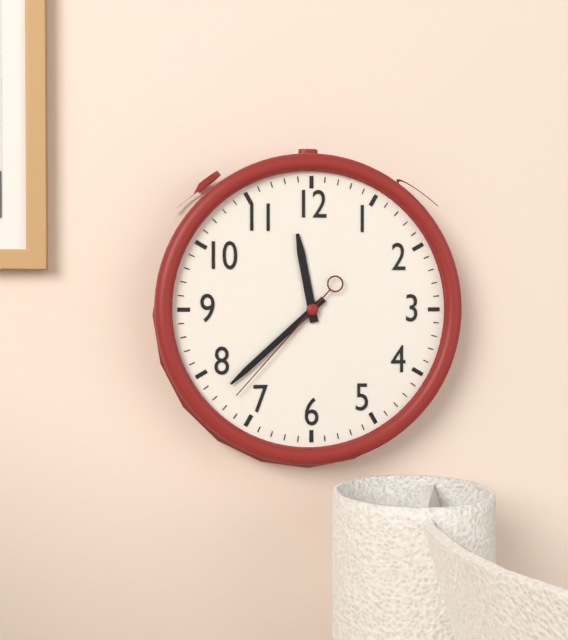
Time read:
11h38m37s
